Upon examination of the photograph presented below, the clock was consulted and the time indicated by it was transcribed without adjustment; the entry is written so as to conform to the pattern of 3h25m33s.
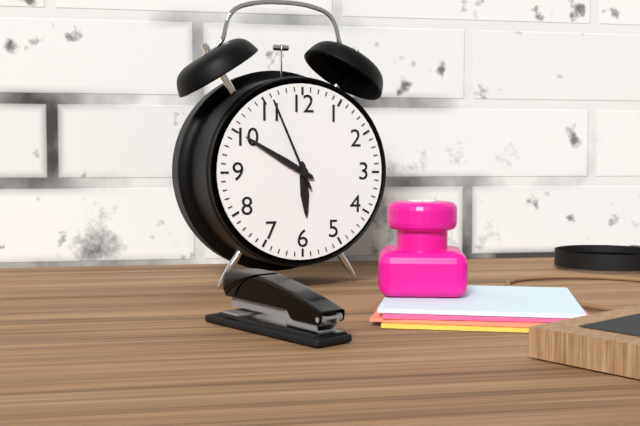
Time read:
5h50m56s
